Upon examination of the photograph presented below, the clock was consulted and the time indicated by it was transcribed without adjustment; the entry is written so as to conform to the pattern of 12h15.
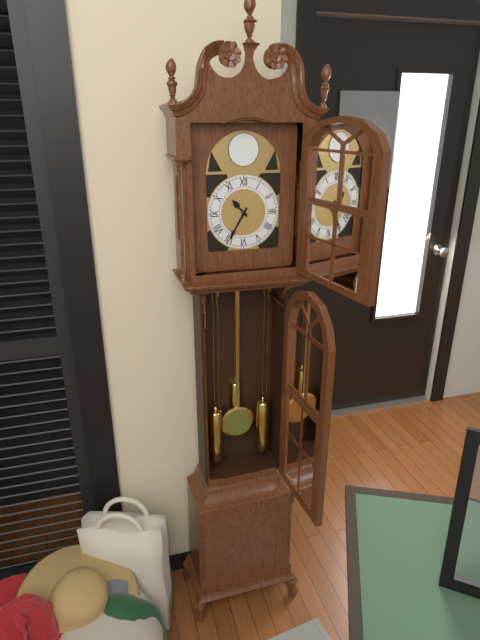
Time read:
10h35
